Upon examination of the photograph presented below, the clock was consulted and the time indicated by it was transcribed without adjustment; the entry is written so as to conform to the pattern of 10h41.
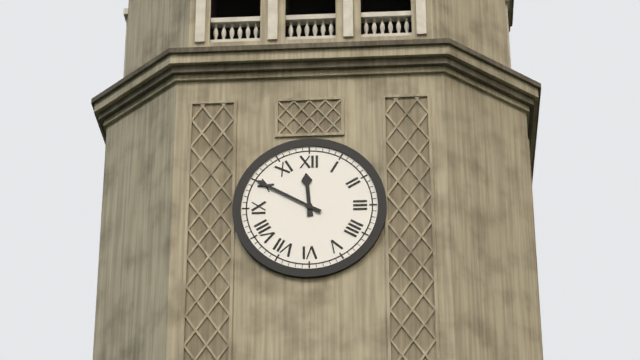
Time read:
11h50
